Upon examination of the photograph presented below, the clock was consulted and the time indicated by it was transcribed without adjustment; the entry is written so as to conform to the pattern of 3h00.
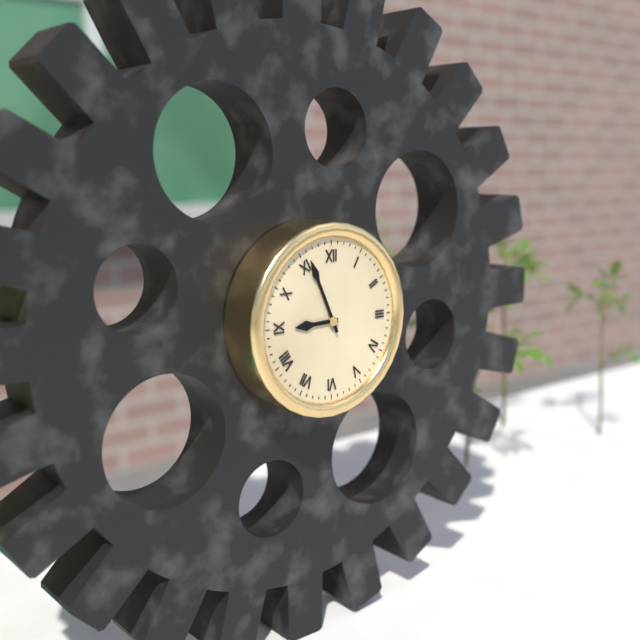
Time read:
8h56
